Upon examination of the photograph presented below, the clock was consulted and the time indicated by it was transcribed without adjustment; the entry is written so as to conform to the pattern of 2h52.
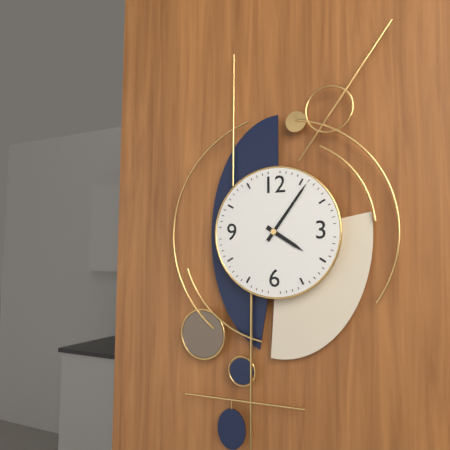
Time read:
4h06
